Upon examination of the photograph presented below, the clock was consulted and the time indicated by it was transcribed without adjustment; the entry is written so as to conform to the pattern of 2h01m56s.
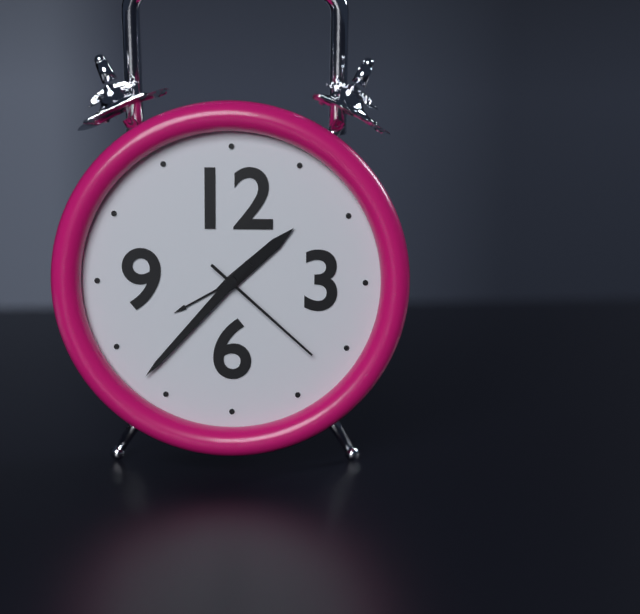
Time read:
1h37m22s
